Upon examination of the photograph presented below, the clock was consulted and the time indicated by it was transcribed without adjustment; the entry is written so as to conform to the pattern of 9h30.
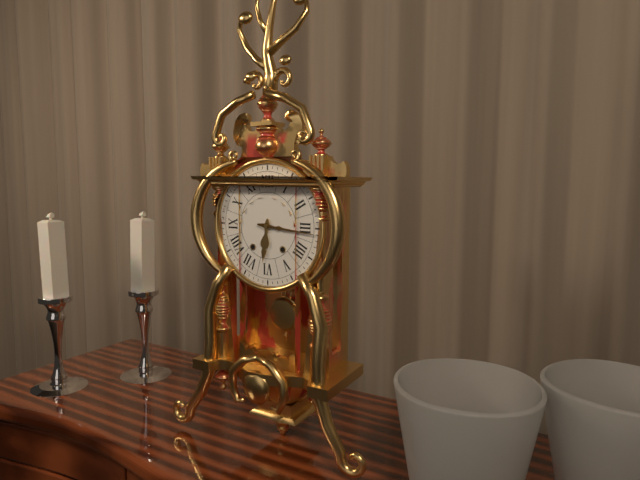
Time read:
6h16
